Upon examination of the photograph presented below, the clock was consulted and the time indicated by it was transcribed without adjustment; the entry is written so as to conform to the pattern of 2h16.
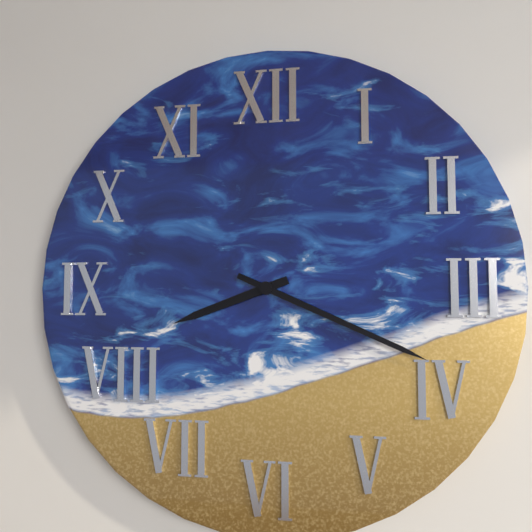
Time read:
8h19
